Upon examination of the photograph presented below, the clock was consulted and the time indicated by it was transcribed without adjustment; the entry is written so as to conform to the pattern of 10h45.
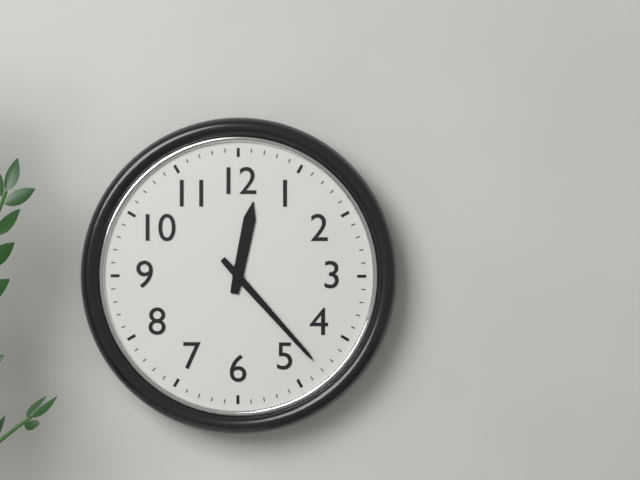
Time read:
12h23
